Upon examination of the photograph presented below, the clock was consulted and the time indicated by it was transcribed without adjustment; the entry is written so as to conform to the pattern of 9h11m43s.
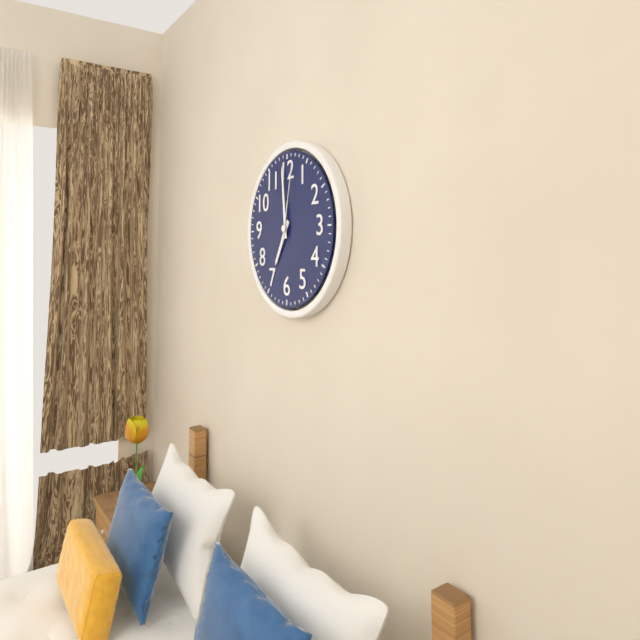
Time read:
6h59m02s
